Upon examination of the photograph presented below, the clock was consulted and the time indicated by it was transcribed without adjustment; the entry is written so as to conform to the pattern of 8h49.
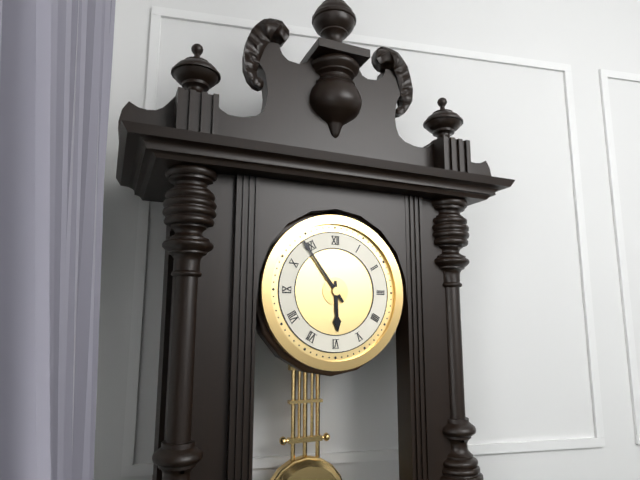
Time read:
5h54
